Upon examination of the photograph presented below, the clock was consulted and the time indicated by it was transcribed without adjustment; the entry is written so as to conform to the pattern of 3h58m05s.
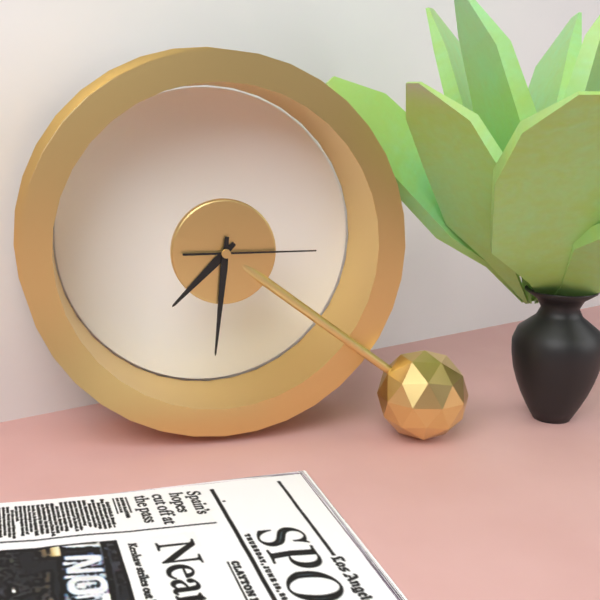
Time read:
7h31m15s
